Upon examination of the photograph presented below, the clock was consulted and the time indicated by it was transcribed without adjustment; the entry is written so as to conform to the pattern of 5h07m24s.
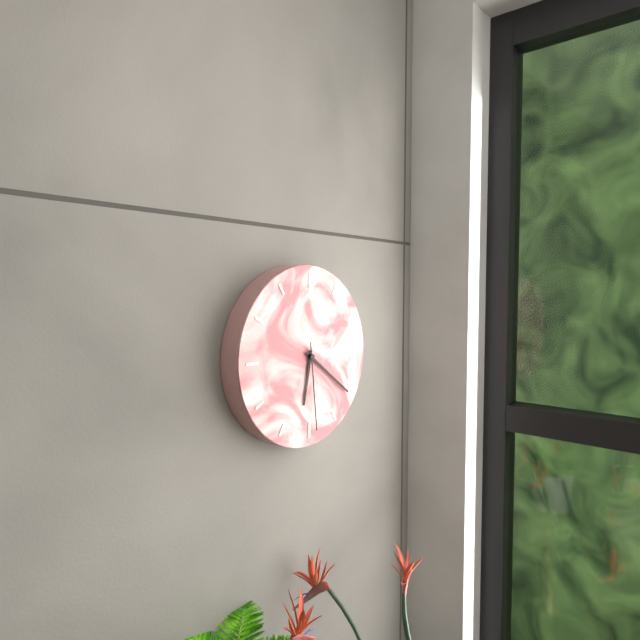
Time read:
6h21m29s
